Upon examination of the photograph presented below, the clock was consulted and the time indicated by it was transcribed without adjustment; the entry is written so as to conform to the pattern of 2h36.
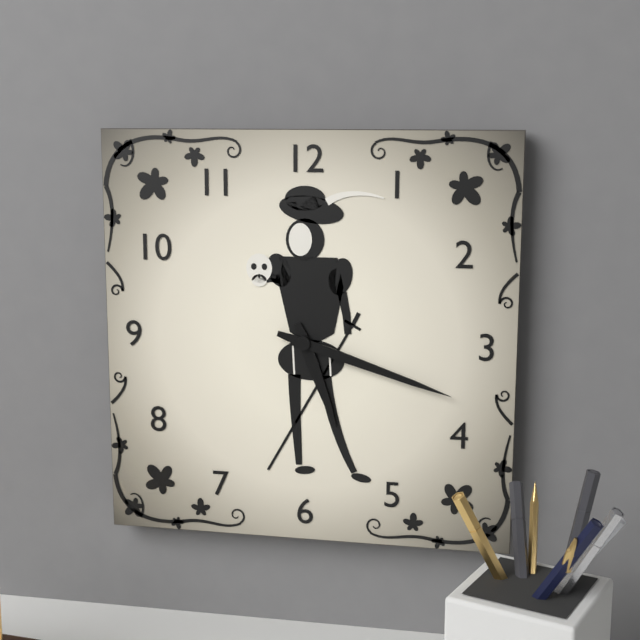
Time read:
5h18
